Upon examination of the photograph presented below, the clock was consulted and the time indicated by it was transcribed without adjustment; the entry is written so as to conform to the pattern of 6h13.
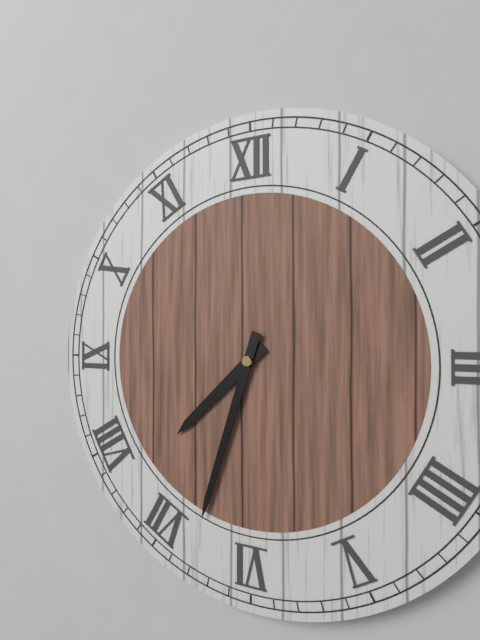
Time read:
7h33
